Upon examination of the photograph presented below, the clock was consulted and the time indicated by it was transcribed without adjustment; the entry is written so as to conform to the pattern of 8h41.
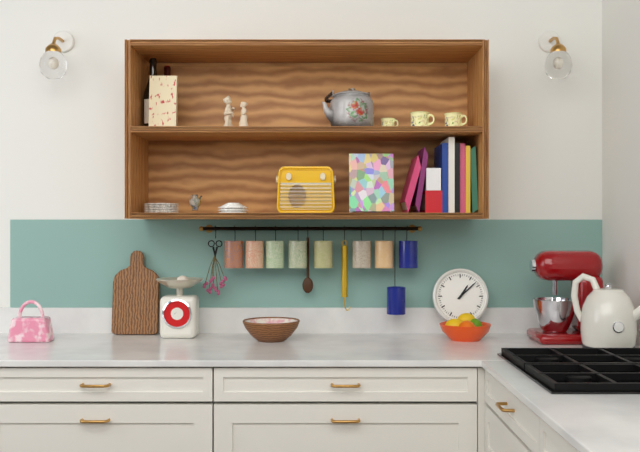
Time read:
1h08
